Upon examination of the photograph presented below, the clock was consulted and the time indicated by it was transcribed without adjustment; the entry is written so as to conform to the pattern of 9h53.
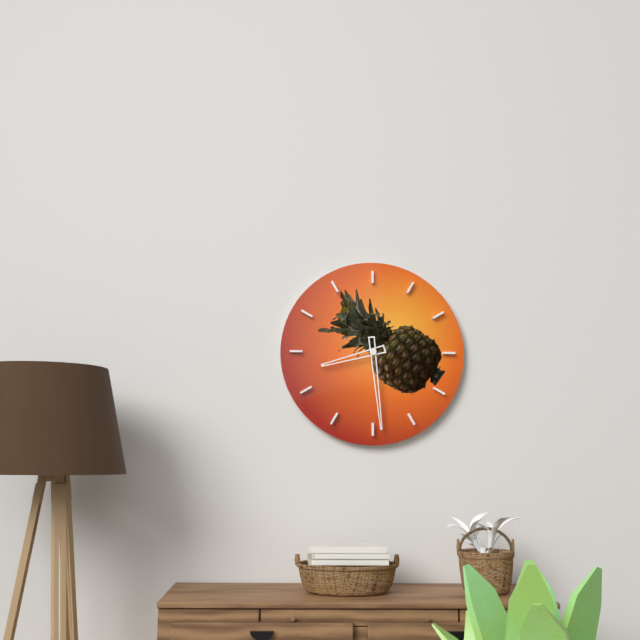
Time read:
8h29
